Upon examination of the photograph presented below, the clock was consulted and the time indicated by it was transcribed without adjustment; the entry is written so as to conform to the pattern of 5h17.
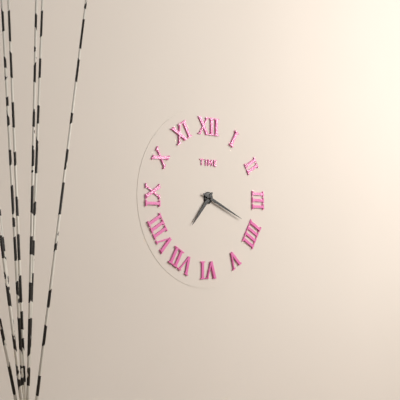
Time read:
7h19
